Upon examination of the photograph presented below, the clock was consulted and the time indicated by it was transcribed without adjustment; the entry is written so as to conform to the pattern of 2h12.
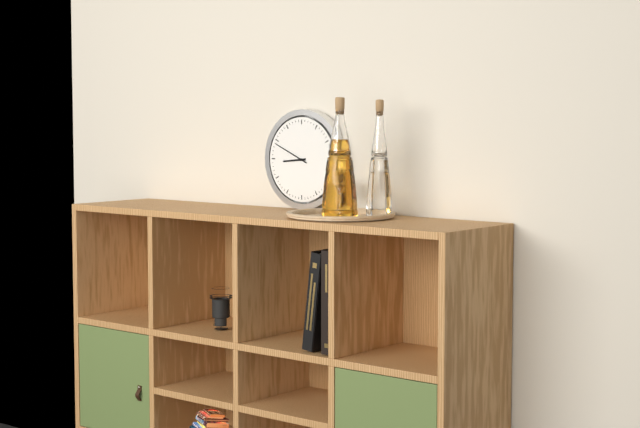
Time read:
8h49
